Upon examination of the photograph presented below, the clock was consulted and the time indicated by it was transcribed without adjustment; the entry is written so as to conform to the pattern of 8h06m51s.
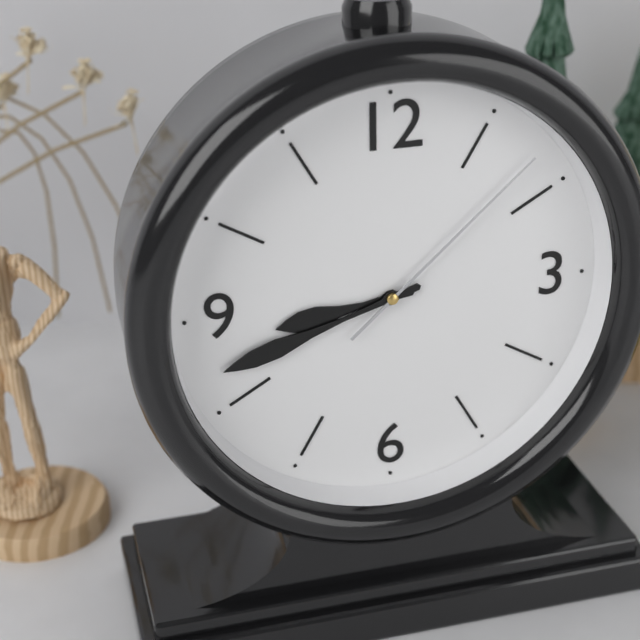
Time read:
8h42m08s
